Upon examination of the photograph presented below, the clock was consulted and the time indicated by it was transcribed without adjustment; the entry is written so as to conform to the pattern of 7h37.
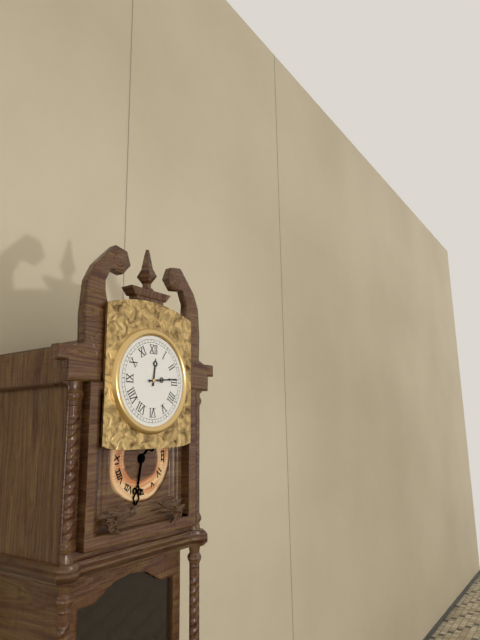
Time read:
12h14
